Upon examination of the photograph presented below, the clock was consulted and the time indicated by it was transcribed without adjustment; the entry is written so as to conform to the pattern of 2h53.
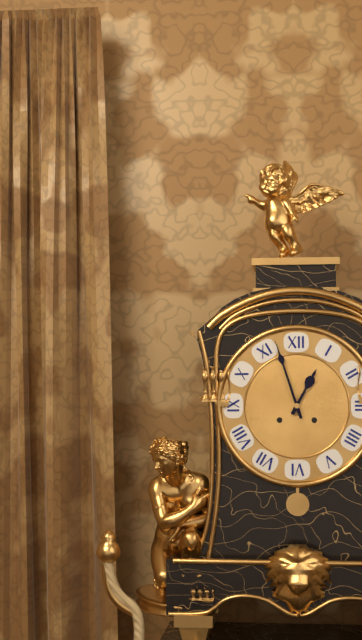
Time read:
12h57
